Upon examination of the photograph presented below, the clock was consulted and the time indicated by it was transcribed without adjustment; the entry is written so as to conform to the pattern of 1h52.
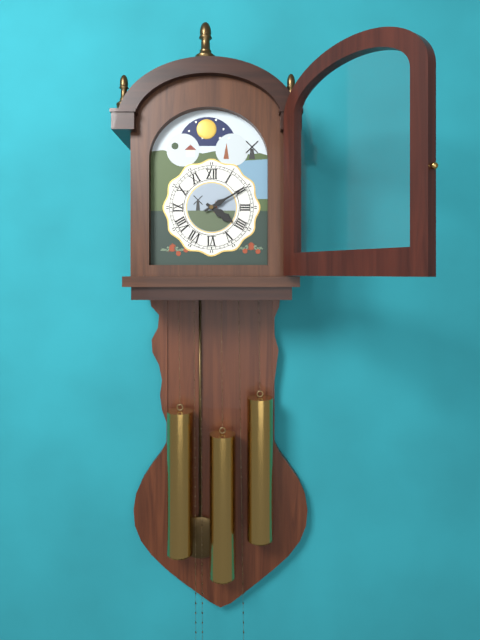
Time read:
4h10
